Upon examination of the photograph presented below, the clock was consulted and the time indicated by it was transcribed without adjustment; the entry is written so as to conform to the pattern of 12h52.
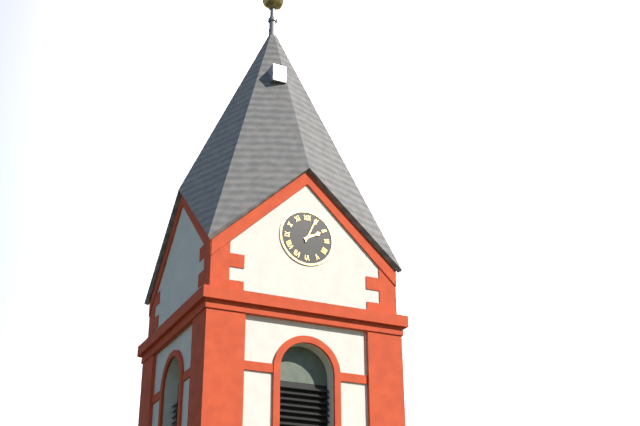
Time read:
2h04
